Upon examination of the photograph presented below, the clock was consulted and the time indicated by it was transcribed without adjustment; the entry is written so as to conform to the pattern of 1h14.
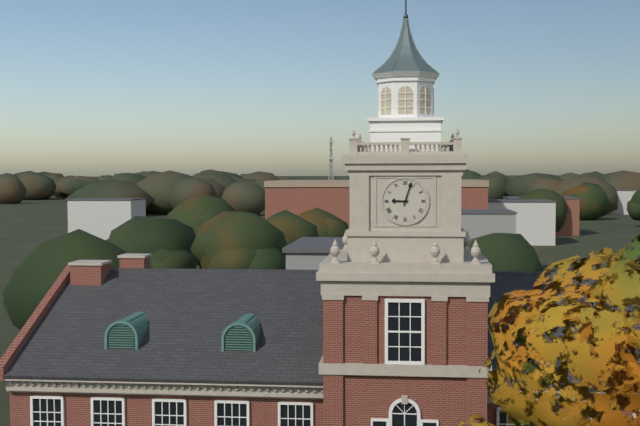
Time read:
9h03
